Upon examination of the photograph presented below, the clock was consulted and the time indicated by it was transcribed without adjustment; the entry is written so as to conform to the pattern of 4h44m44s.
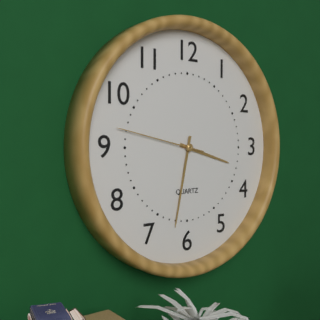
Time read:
3h32m47s
